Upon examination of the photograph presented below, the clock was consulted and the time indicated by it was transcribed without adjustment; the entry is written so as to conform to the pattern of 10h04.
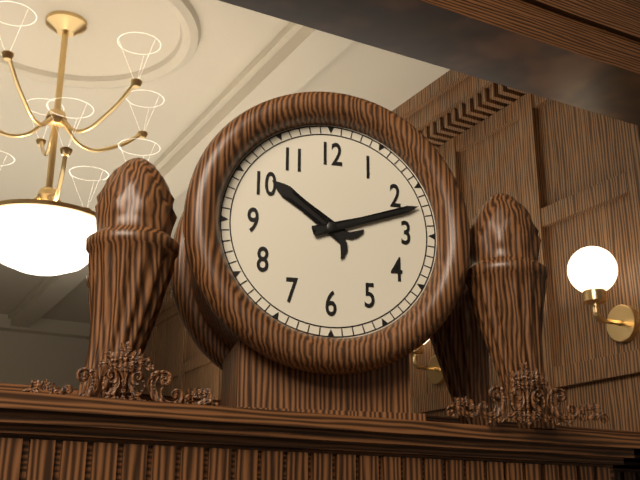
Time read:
10h12
